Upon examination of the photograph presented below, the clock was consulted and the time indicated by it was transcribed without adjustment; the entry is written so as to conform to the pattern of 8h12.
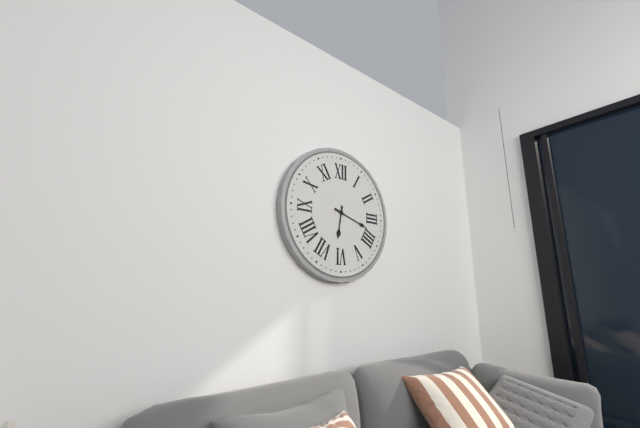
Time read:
6h18
